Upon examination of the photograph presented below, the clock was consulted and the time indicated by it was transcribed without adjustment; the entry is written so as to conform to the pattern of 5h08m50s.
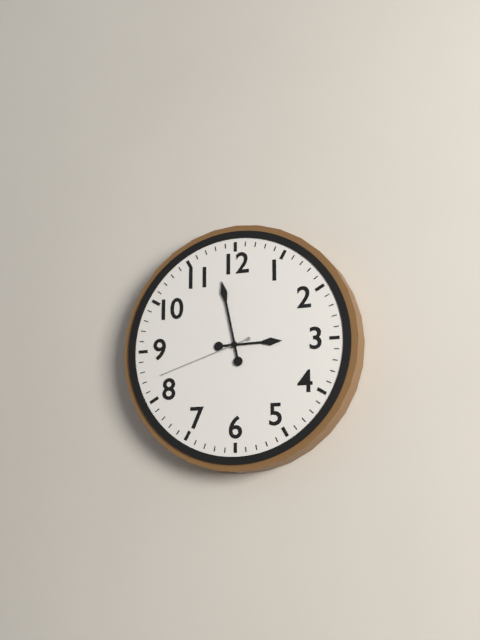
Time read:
2h58m42s
